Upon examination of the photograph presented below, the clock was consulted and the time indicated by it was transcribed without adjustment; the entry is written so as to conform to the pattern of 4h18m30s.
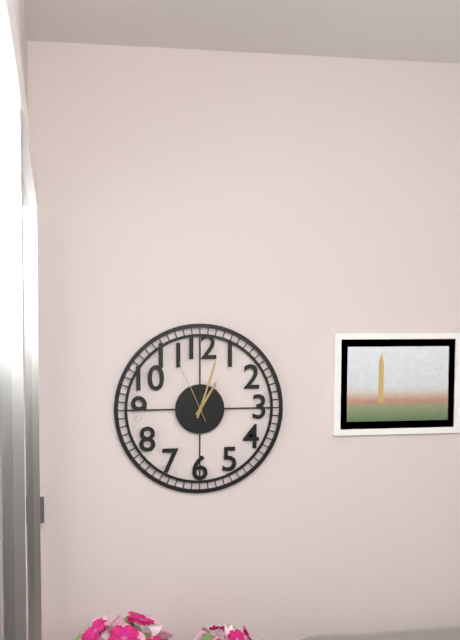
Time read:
1h03m56s
